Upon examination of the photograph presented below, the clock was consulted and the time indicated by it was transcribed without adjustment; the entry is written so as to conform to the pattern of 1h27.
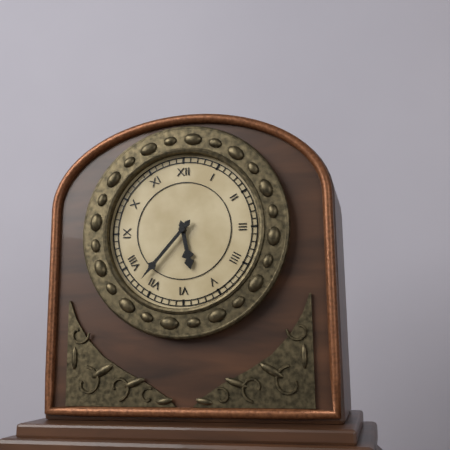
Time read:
5h37
